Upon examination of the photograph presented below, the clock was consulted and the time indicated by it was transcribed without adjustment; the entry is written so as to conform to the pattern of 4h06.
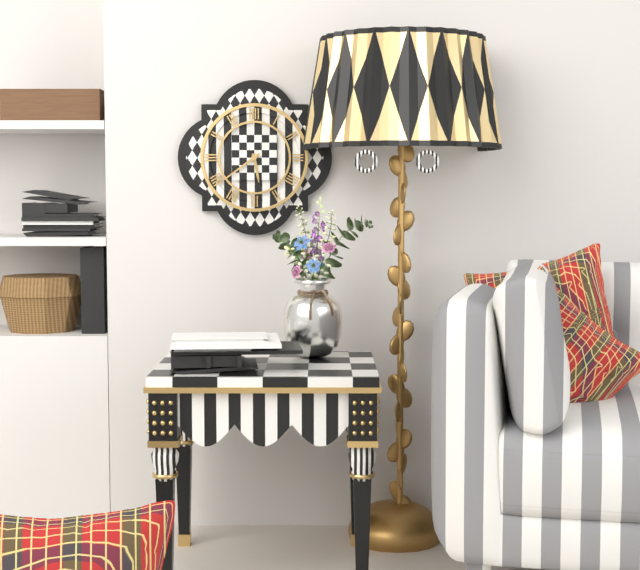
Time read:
5h39
